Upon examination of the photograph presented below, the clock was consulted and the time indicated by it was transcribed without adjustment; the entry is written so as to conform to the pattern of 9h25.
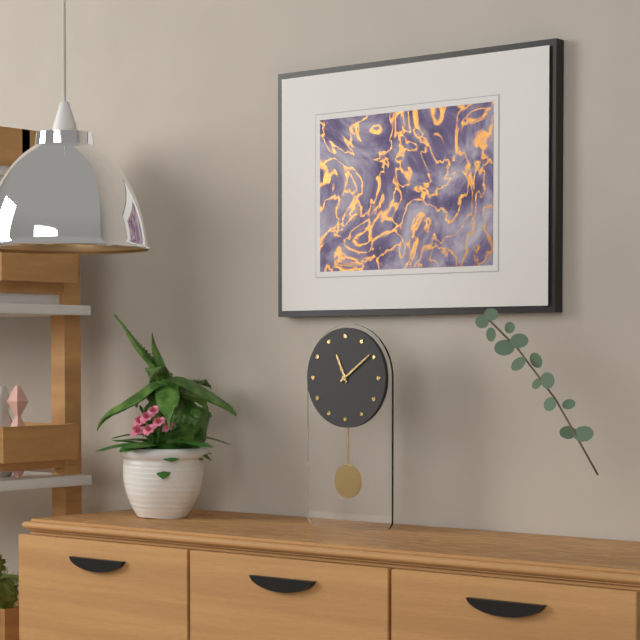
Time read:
11h09
